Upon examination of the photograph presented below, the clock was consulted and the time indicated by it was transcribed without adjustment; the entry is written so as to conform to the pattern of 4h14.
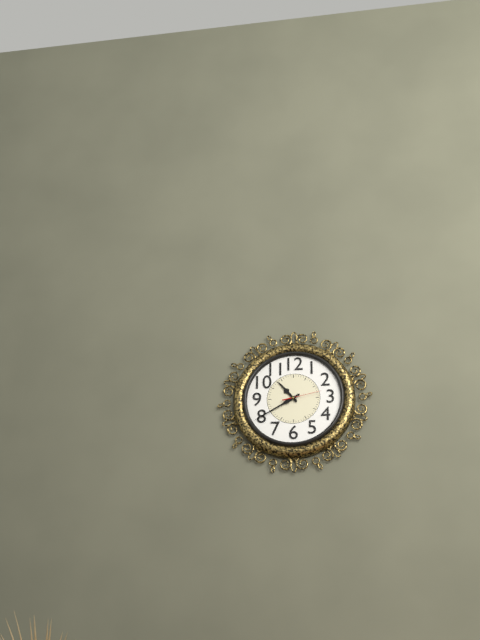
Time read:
10h40
